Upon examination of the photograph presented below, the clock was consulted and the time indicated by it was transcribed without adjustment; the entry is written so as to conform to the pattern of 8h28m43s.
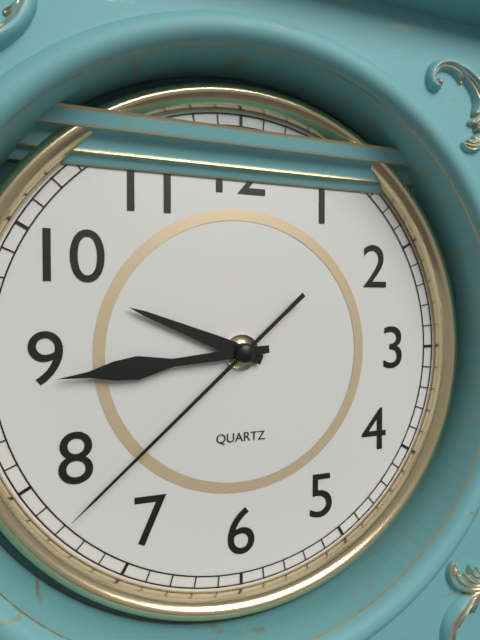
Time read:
9h44m38s
